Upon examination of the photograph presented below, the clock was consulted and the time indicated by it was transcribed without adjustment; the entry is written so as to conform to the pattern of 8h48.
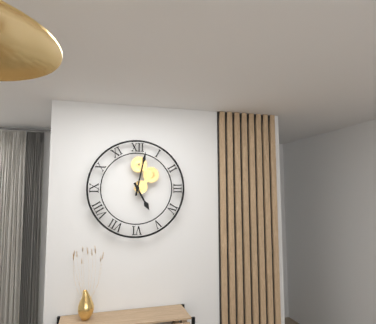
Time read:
5h02
